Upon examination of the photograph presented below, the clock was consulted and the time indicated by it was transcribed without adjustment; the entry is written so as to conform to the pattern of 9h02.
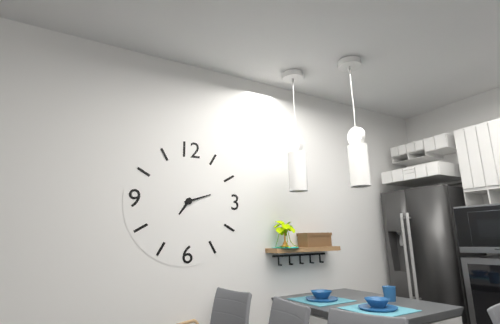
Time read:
7h12
